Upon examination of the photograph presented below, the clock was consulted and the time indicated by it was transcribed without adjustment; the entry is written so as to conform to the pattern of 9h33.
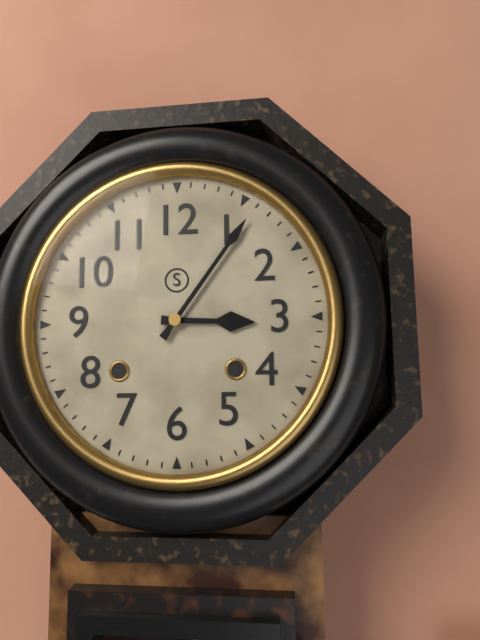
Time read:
3h06
